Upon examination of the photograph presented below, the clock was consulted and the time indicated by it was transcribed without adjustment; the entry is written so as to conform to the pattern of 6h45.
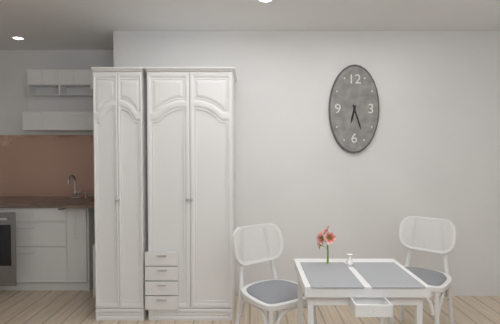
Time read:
6h27
